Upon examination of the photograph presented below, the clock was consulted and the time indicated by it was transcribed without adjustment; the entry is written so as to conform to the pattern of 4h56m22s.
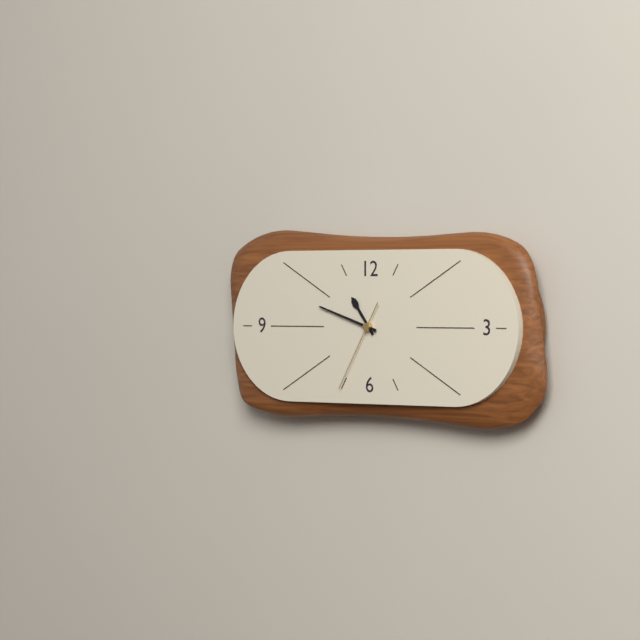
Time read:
10h48m35s
